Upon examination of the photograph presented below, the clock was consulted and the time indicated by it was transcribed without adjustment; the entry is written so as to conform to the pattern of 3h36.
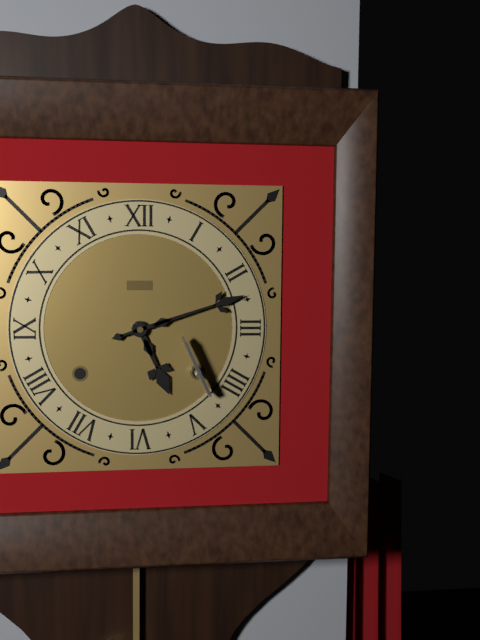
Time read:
5h12
